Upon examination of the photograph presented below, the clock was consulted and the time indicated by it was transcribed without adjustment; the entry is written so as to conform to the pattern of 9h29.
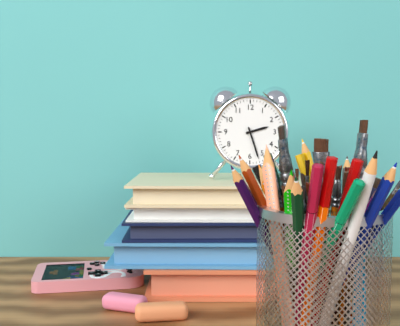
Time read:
2h27
